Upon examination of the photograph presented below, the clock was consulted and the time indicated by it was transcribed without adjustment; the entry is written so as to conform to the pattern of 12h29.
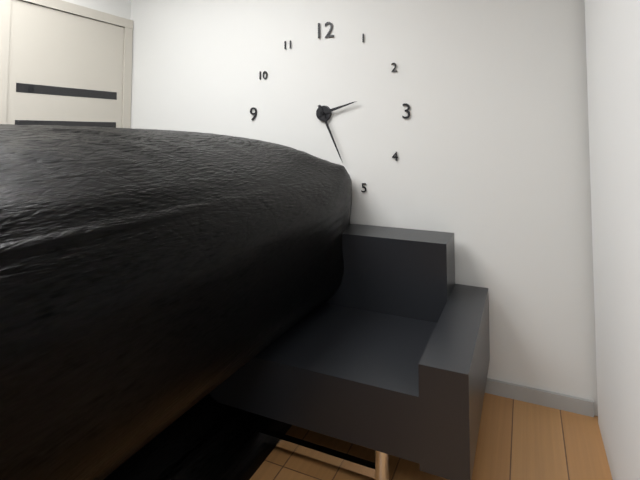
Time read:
2h26
